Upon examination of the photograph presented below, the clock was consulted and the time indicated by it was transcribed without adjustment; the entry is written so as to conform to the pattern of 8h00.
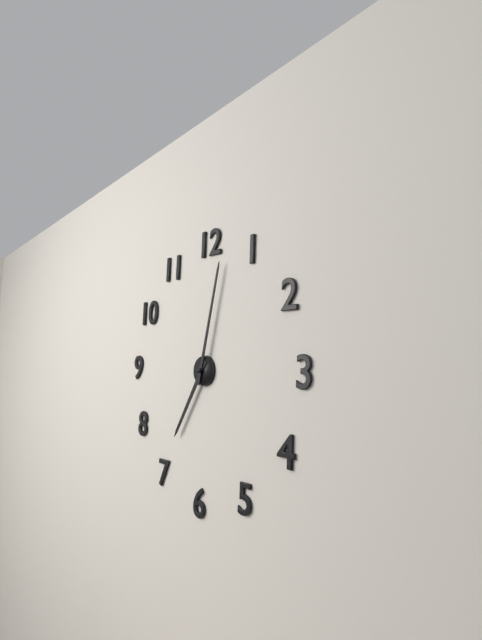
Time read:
7h02
